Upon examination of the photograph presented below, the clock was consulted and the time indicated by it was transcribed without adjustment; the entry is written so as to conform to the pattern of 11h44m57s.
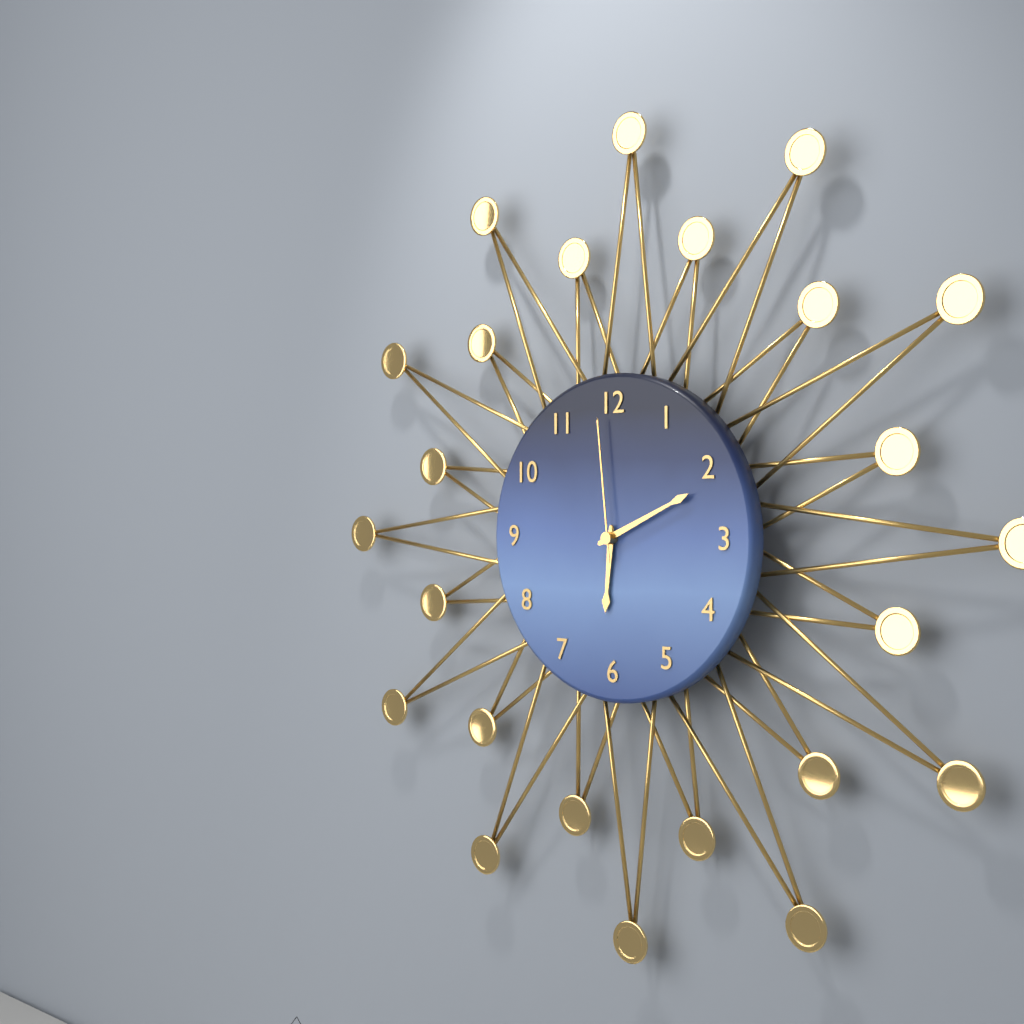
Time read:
6h11m59s
